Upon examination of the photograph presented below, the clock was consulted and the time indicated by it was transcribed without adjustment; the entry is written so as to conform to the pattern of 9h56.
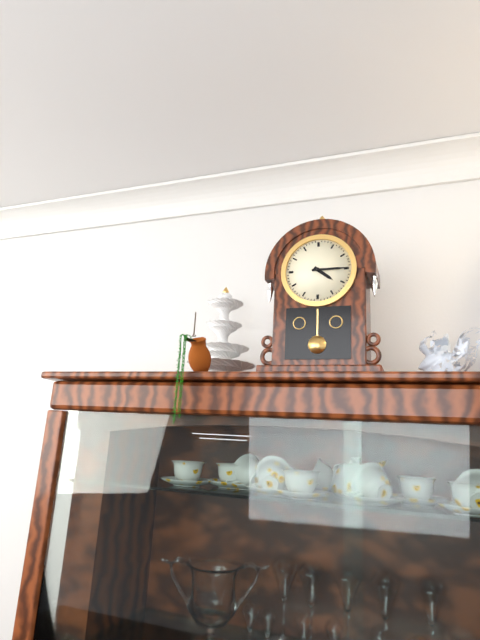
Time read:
4h15
